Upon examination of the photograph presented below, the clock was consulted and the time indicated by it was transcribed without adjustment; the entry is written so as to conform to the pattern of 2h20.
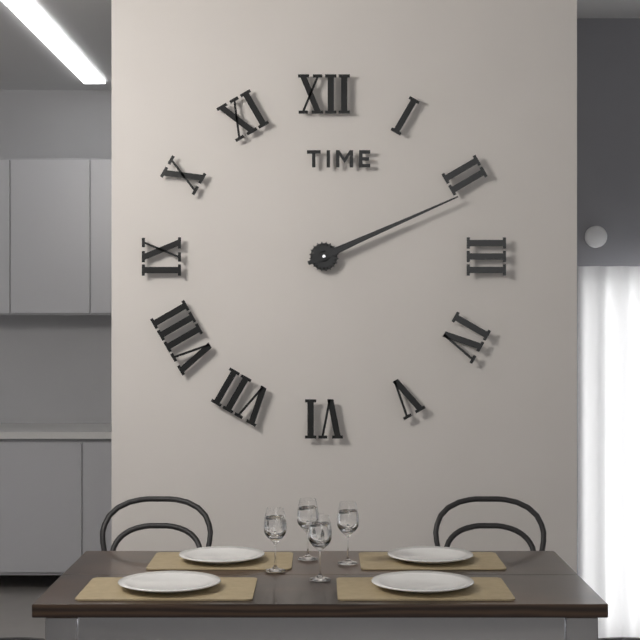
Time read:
2h11
